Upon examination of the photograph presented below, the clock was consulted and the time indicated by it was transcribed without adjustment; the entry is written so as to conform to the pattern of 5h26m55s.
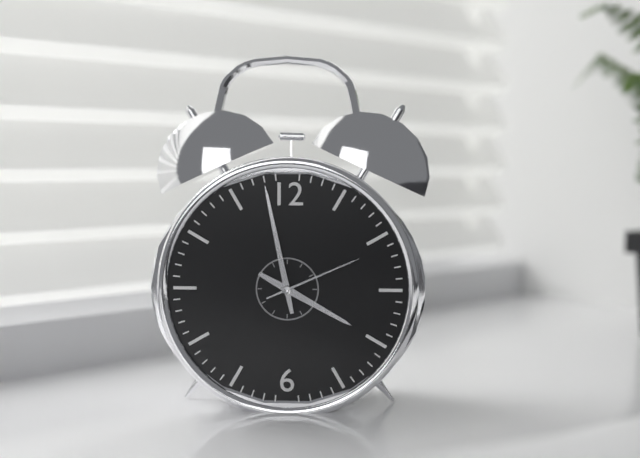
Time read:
3h58m11s
